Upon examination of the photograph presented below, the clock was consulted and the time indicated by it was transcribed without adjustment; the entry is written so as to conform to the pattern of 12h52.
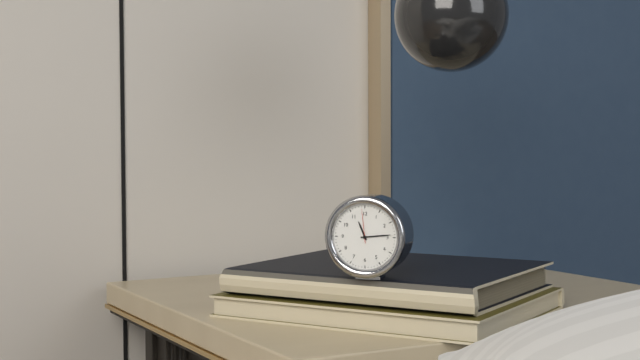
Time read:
11h14
